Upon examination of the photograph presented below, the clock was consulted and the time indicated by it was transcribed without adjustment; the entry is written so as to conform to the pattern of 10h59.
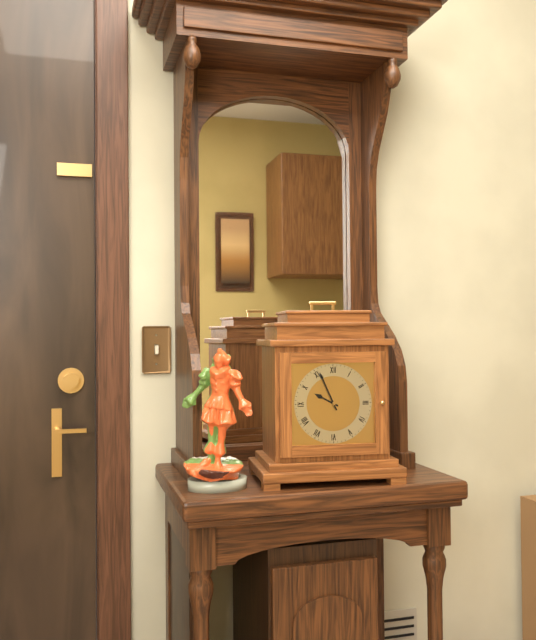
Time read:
9h56
